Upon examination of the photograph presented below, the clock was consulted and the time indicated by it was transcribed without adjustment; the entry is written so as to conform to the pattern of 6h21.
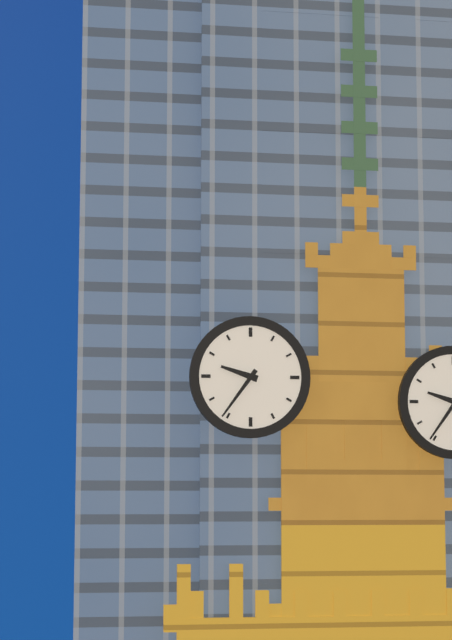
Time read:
9h36
